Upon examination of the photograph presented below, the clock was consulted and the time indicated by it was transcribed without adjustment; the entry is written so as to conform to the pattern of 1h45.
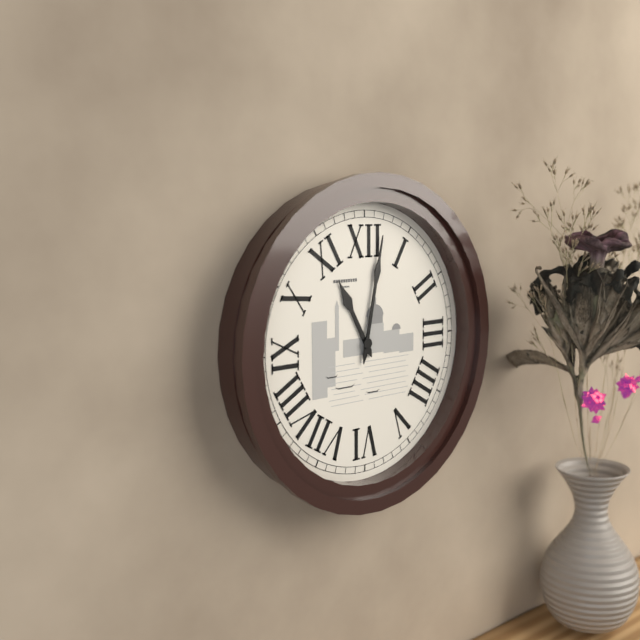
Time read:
11h02
